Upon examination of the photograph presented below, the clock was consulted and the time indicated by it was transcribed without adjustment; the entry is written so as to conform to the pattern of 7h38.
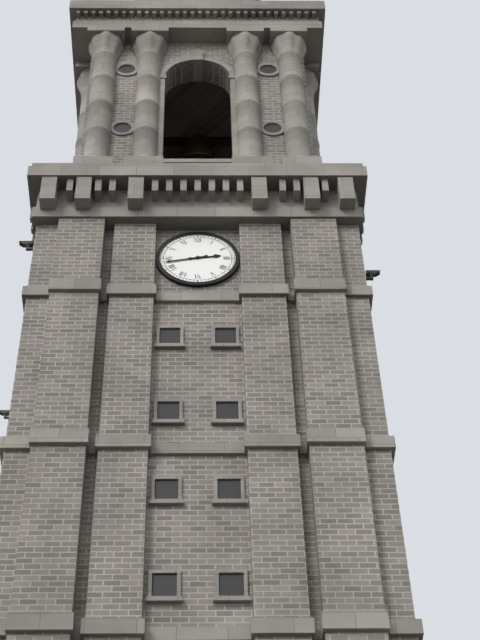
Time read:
2h43
